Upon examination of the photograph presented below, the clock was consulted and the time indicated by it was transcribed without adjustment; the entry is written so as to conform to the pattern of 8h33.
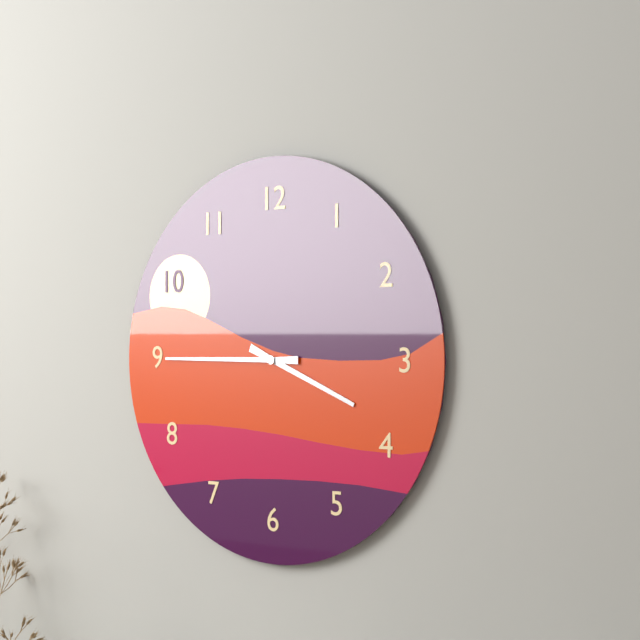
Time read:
3h45
